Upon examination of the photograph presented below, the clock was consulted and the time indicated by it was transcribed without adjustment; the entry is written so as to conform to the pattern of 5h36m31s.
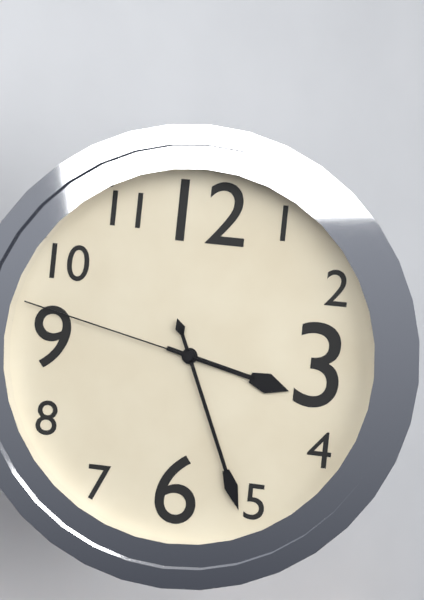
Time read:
3h26m47s
